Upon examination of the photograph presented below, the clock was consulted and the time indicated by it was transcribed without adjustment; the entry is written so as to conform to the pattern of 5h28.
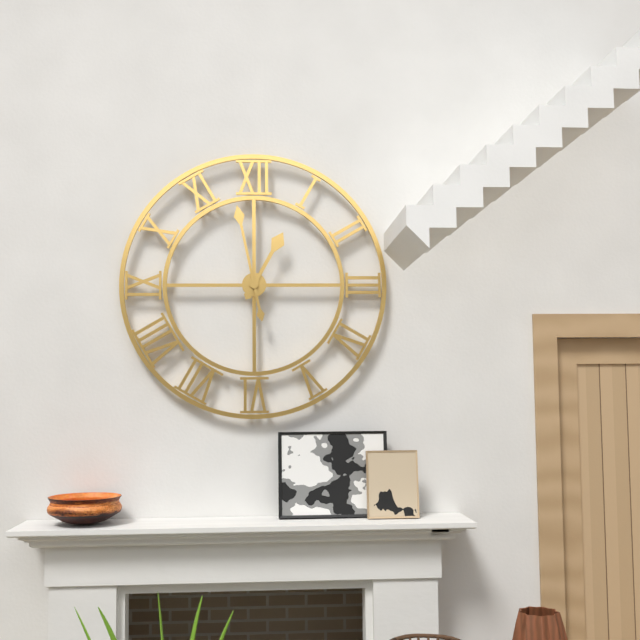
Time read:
12h58
